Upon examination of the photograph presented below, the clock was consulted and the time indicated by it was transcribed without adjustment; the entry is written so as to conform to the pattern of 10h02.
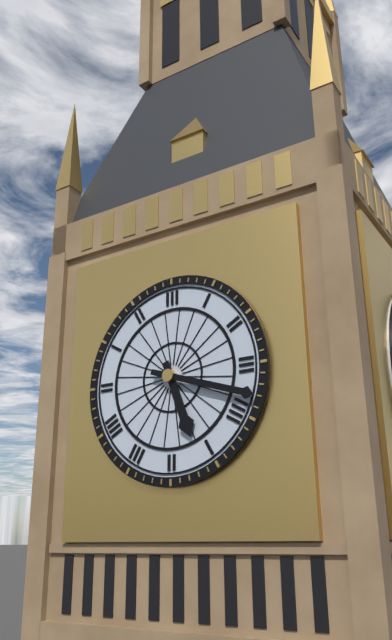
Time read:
5h18
